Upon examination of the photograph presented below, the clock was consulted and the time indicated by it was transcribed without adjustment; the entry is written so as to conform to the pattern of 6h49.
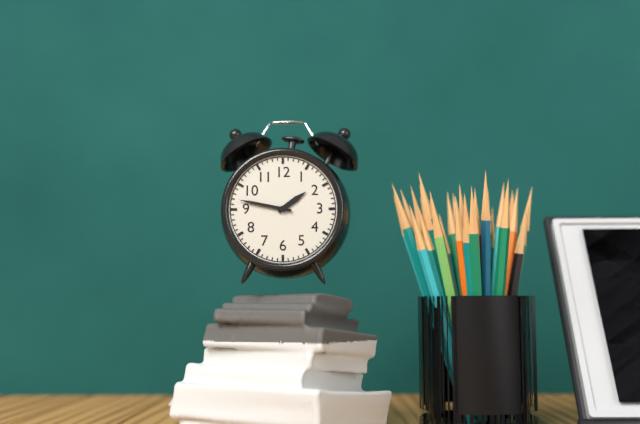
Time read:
1h47
